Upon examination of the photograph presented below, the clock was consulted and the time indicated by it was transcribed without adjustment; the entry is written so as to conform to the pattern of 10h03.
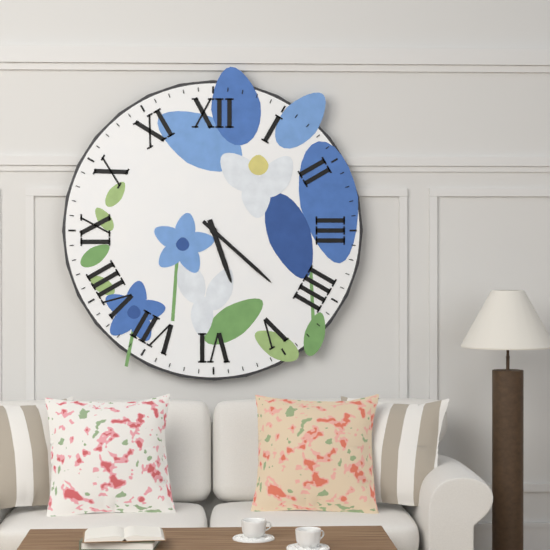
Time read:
5h22
